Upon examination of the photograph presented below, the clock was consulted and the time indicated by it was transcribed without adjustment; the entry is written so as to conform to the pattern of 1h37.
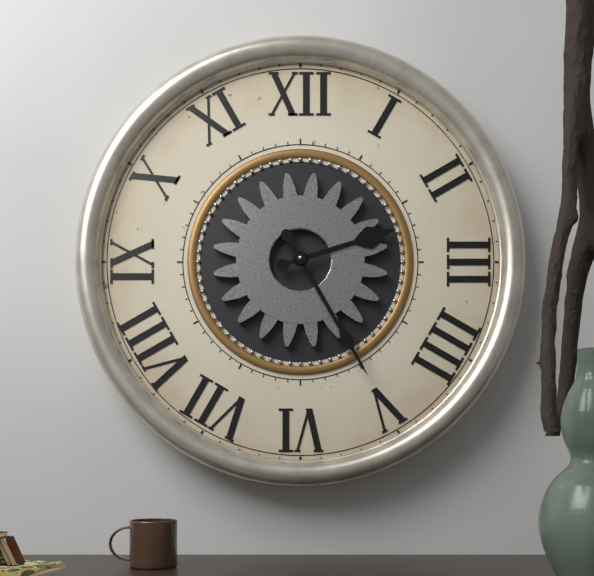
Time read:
2h25
